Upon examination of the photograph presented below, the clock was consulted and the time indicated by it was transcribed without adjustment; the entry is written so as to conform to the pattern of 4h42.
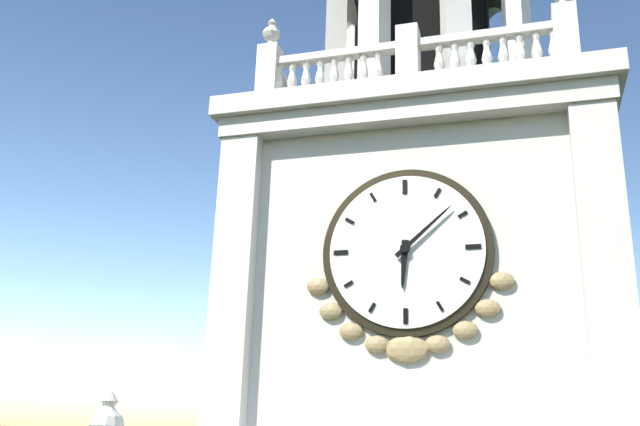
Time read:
6h08
